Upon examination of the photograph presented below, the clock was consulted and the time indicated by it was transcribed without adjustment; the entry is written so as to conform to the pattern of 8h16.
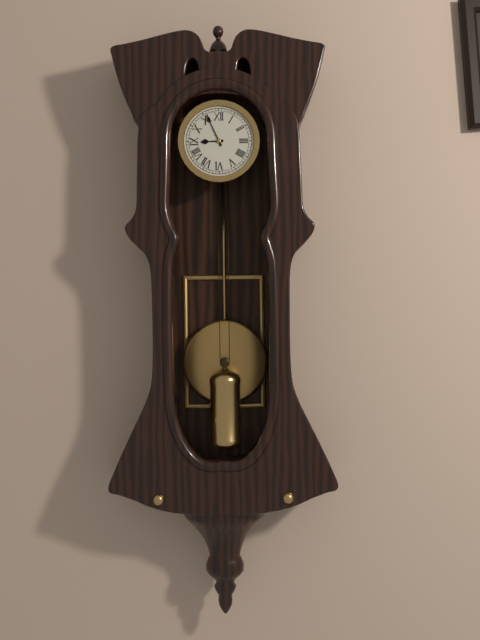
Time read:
8h56
